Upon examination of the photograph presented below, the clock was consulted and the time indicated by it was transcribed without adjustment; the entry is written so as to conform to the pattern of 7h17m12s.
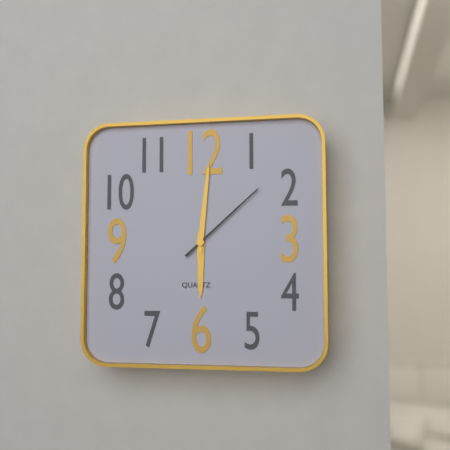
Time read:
6h01m08s
